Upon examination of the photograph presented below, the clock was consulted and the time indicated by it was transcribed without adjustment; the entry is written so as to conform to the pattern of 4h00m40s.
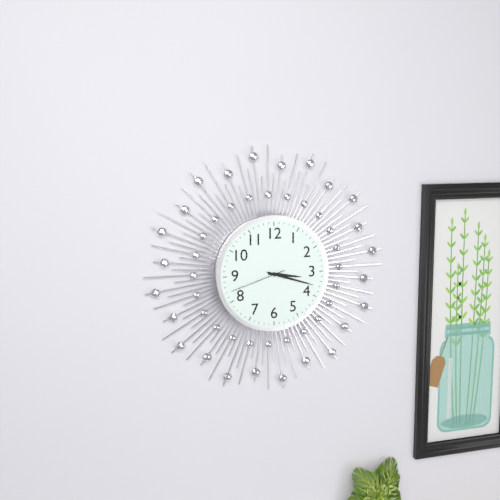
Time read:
3h18m42s
